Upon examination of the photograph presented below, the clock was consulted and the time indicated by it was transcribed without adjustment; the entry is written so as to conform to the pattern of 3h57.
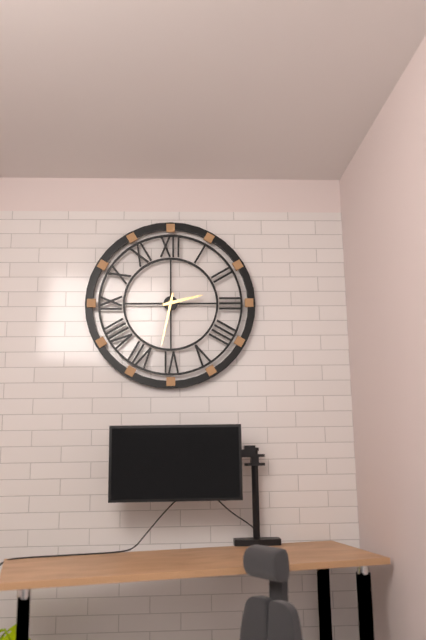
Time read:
2h32
